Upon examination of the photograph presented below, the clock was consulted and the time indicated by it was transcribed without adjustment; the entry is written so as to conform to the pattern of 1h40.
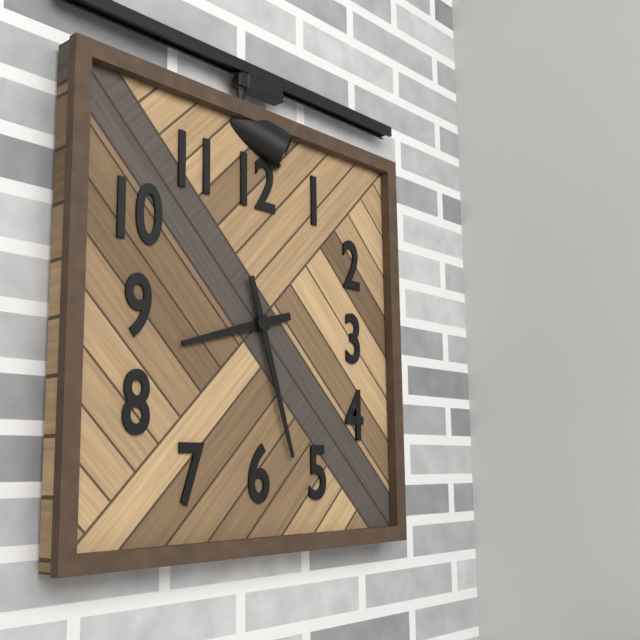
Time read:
8h27
